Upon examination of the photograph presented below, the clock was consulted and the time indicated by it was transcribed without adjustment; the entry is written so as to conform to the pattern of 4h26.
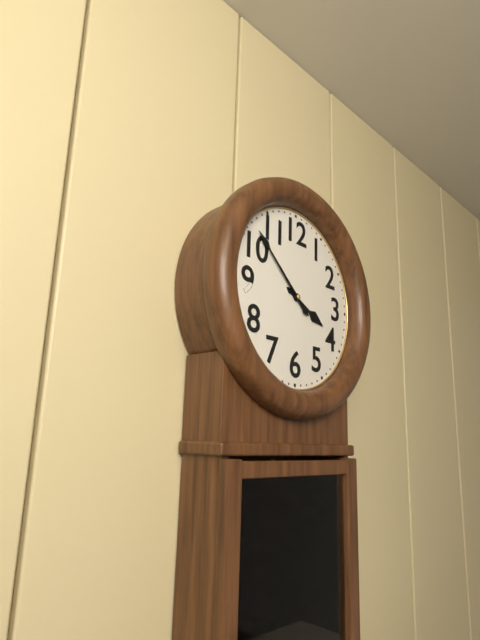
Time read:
3h52
